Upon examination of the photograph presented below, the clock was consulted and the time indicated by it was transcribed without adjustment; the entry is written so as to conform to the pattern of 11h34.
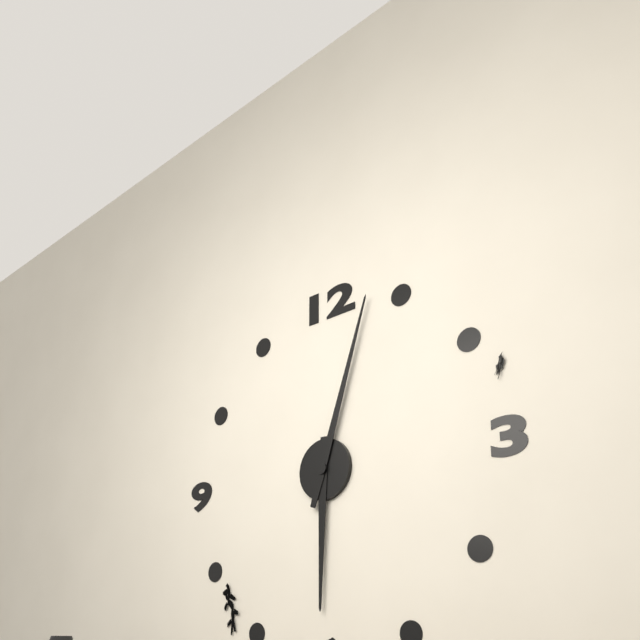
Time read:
6h03
